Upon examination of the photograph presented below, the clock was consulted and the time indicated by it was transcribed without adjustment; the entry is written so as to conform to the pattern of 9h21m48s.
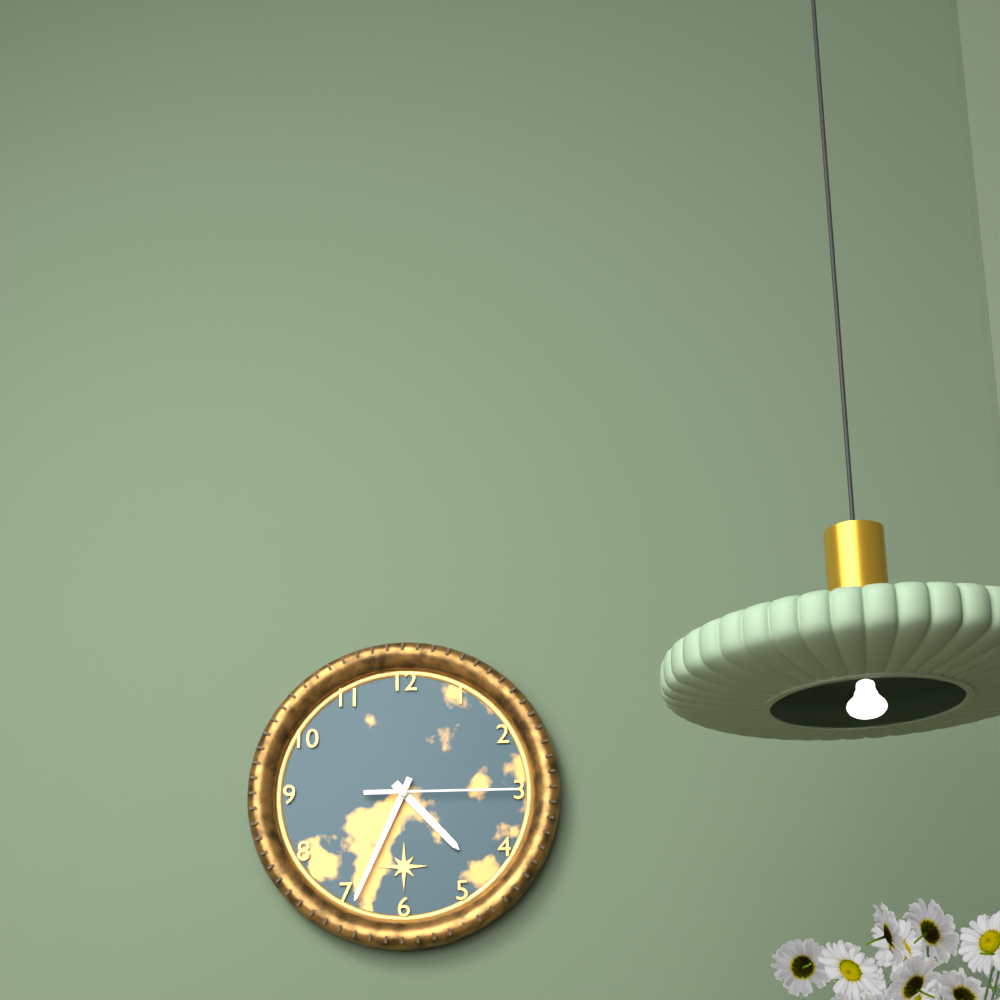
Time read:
4h34m15s
